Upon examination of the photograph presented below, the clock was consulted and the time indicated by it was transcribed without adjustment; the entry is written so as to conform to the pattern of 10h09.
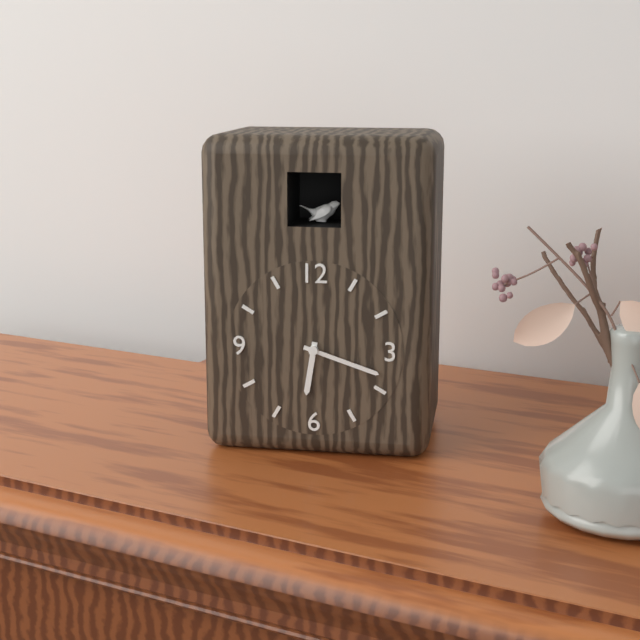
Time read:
6h18
